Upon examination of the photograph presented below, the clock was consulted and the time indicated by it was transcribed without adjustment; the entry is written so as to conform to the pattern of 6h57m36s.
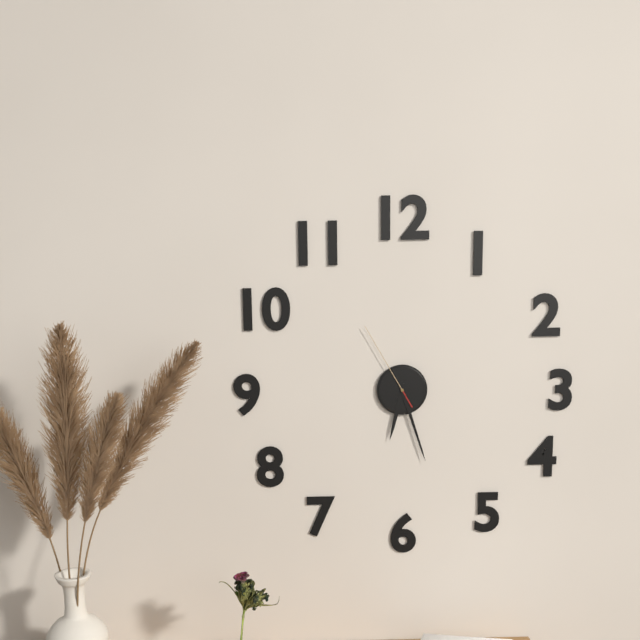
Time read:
6h27m55s
